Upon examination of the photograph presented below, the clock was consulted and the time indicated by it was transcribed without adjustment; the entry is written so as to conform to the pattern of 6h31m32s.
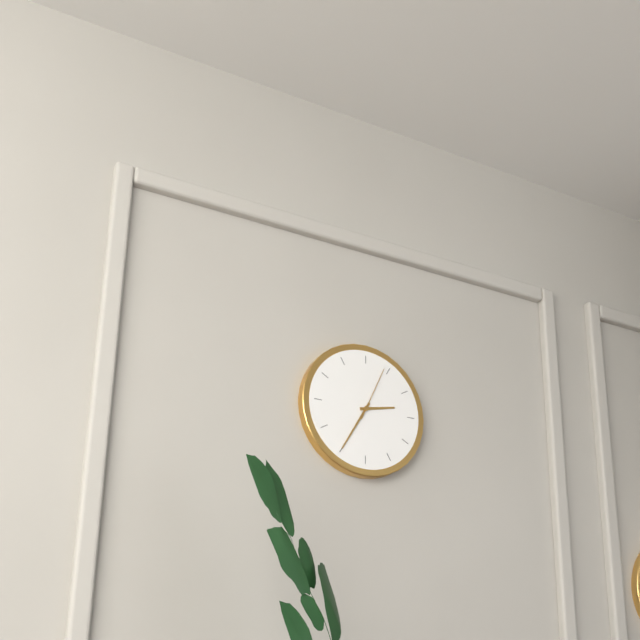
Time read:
2h35m04s
